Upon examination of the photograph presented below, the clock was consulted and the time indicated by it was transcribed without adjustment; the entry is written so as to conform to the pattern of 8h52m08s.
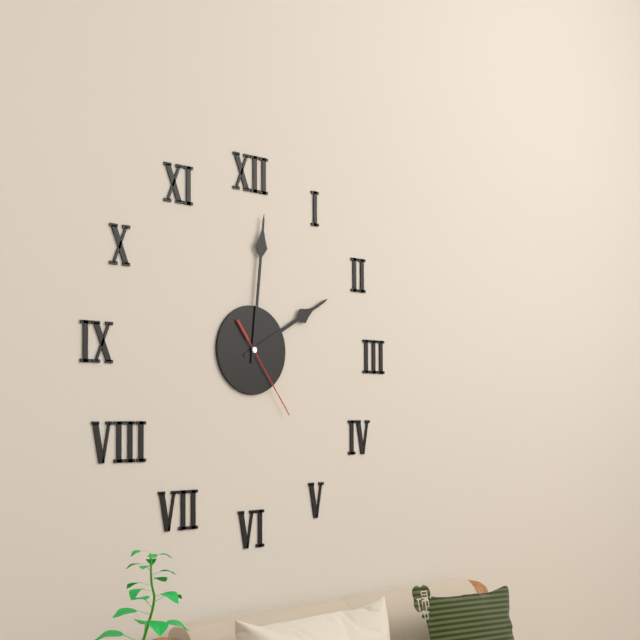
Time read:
2h01m24s
